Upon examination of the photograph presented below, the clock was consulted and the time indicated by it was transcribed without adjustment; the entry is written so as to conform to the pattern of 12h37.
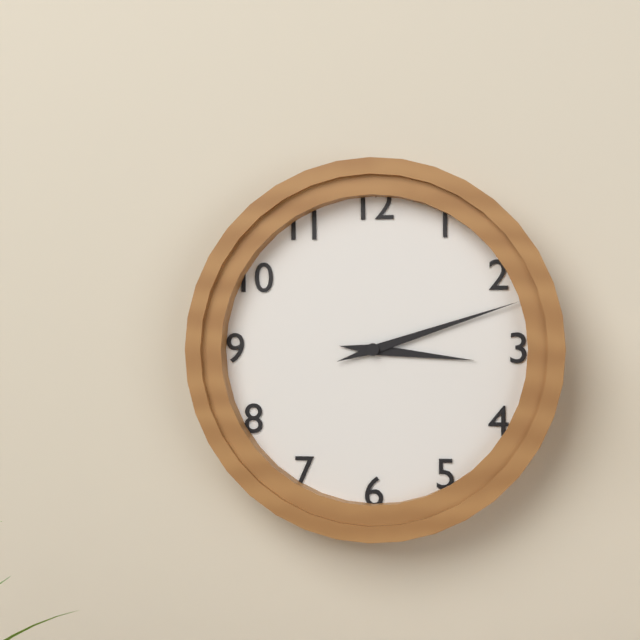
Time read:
3h12
